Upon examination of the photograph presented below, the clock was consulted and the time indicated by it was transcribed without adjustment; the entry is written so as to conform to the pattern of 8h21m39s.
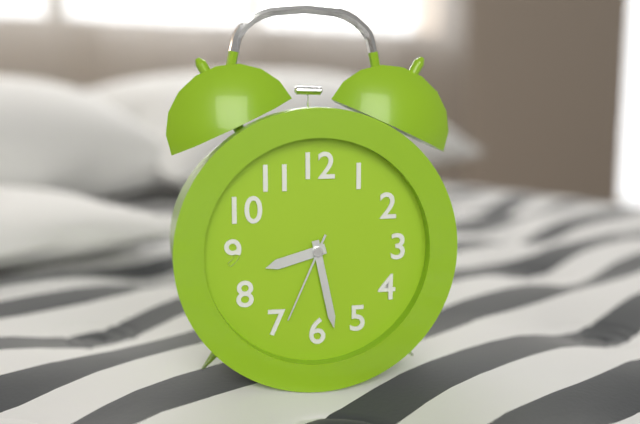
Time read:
8h28m34s
